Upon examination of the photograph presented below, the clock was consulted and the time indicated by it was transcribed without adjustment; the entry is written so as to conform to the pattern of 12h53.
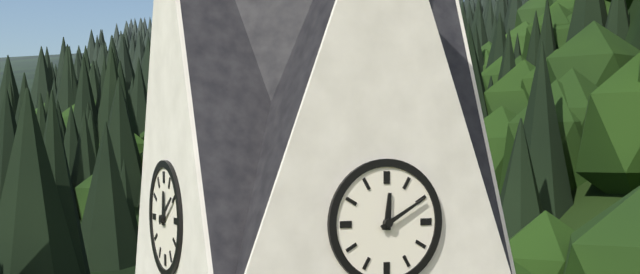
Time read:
12h10
